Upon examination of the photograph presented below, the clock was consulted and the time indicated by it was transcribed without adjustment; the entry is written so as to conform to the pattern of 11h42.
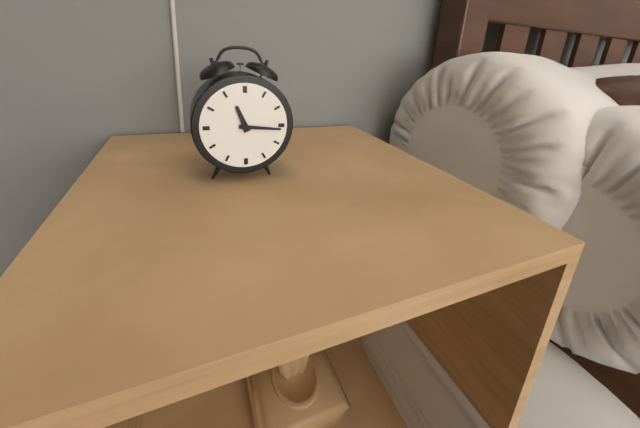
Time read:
11h16
